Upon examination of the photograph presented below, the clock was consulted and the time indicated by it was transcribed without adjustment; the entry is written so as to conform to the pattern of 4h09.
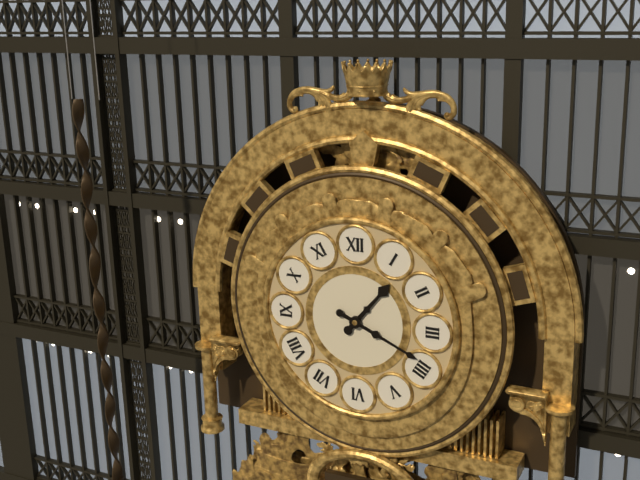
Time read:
1h19
